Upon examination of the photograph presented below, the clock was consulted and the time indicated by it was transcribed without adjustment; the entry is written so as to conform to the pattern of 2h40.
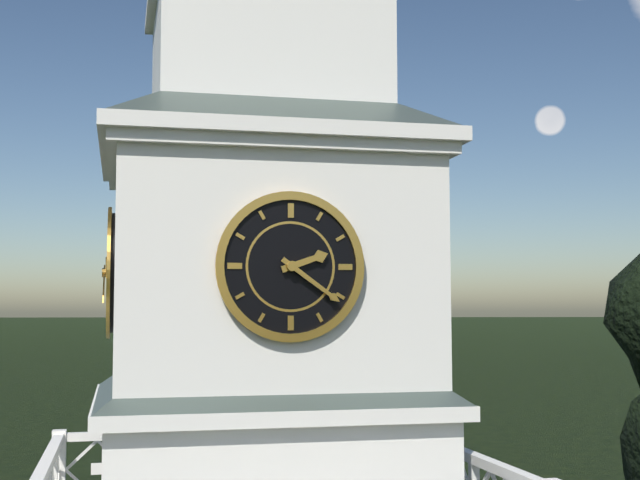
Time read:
2h21
